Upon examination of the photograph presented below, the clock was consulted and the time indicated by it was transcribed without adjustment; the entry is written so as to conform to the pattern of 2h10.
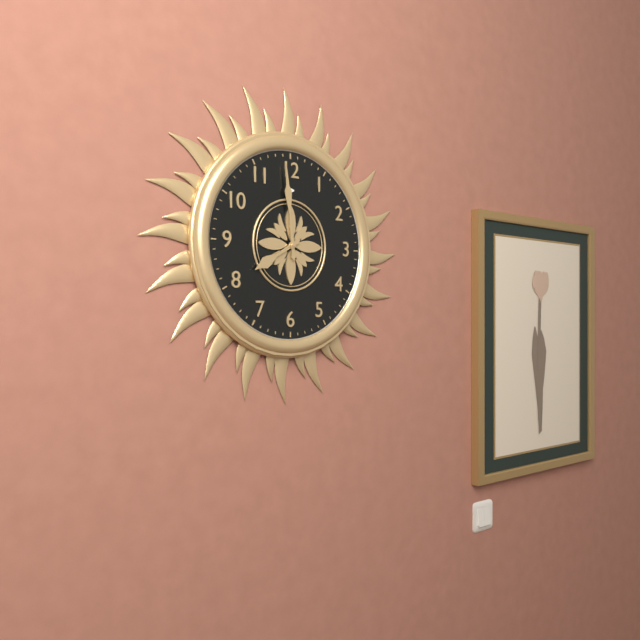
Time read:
7h59
